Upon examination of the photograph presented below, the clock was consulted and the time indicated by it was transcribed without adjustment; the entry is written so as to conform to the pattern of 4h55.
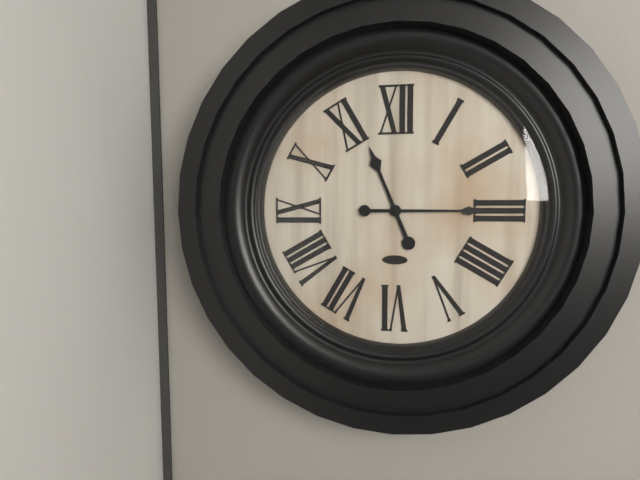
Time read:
11h15
